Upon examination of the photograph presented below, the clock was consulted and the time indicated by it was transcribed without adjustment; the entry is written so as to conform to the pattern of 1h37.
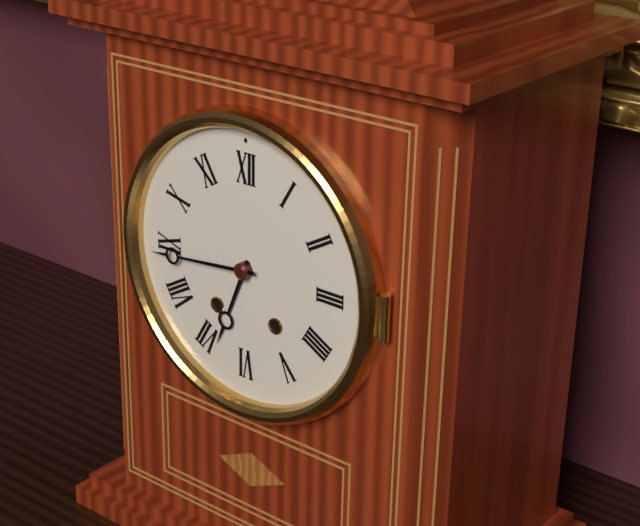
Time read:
6h44
